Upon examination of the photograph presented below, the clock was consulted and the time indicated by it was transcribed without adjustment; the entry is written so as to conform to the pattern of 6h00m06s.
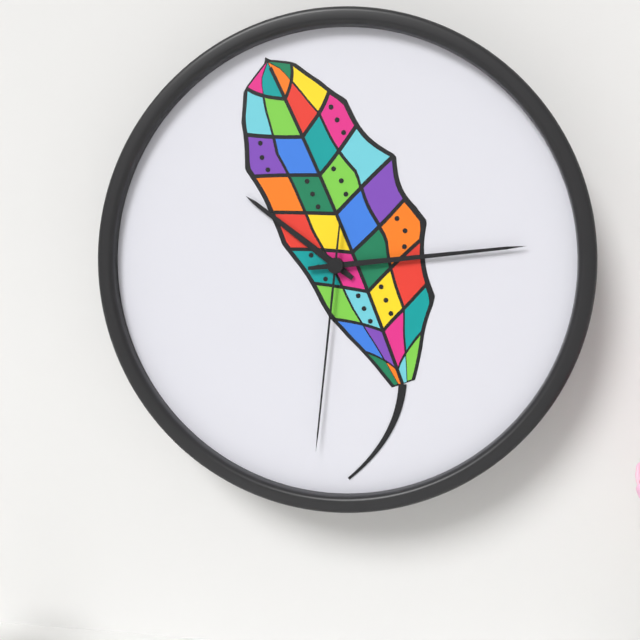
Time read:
10h14m31s
